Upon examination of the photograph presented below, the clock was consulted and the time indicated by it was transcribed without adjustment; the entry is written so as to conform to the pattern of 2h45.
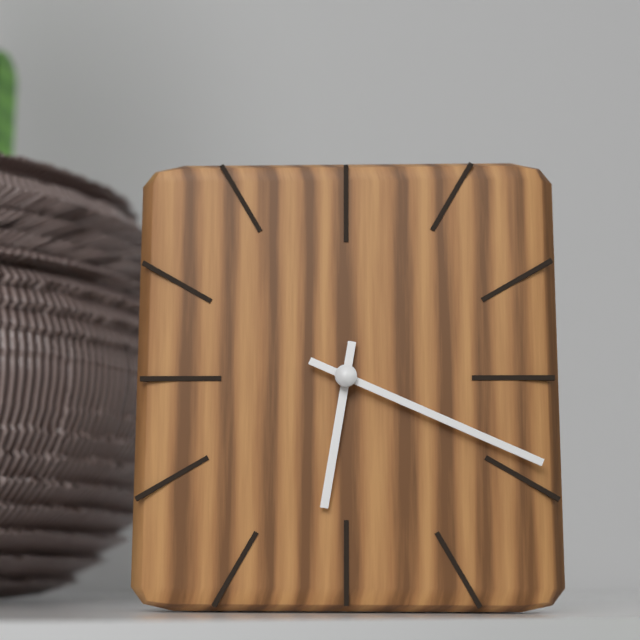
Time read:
6h19
